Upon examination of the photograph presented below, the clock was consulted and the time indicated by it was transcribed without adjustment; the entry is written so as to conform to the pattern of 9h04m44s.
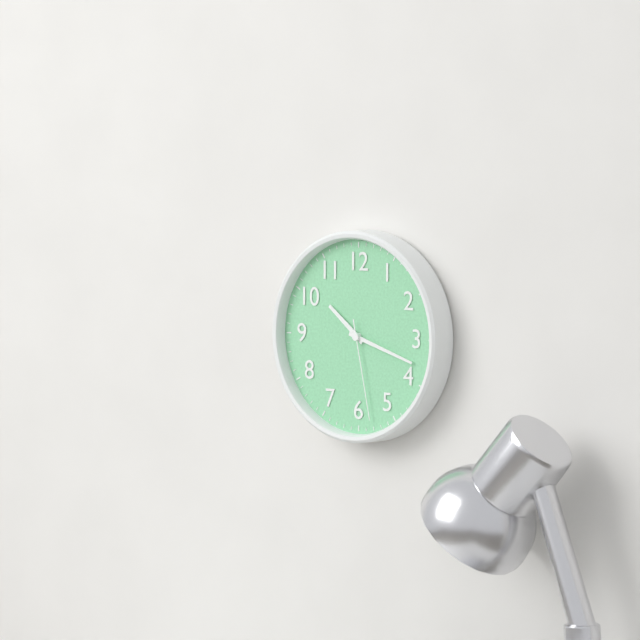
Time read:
10h18m28s
